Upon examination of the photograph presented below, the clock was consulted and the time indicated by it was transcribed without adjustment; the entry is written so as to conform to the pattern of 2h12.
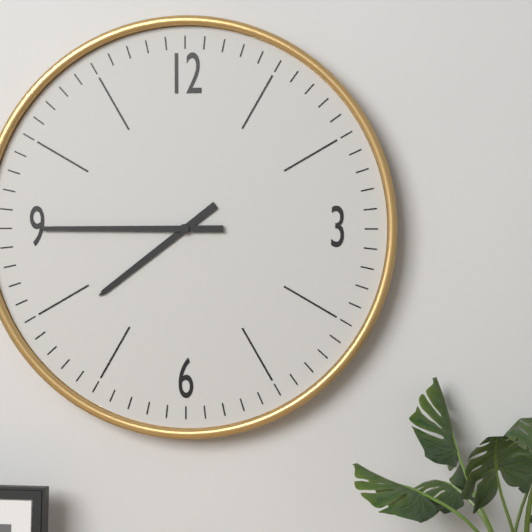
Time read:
7h45
